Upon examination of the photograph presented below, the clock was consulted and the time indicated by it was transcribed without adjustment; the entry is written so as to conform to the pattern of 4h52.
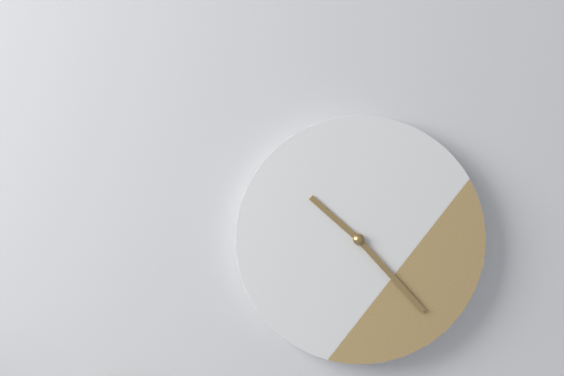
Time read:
10h23
